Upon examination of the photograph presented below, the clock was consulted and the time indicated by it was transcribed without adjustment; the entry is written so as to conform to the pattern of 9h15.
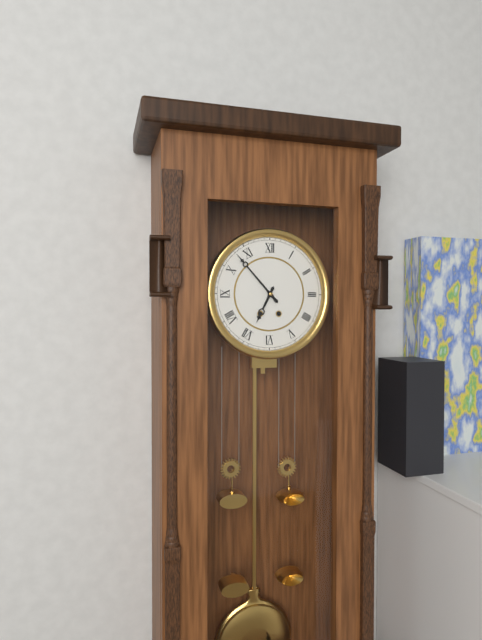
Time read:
6h53
